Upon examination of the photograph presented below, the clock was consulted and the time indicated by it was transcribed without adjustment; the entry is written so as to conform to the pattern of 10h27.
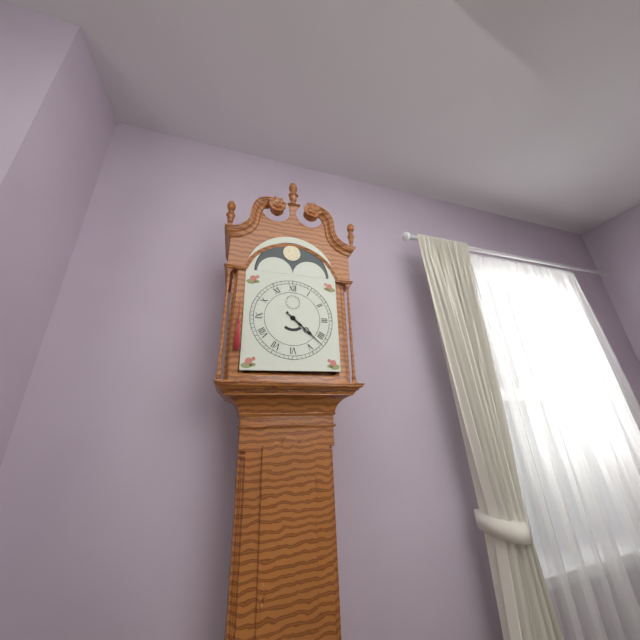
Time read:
4h22
